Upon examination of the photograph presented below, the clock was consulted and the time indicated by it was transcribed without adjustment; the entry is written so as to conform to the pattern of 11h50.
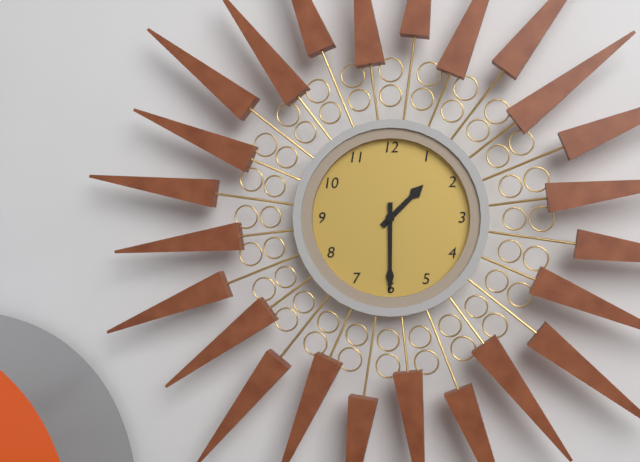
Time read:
1h30
